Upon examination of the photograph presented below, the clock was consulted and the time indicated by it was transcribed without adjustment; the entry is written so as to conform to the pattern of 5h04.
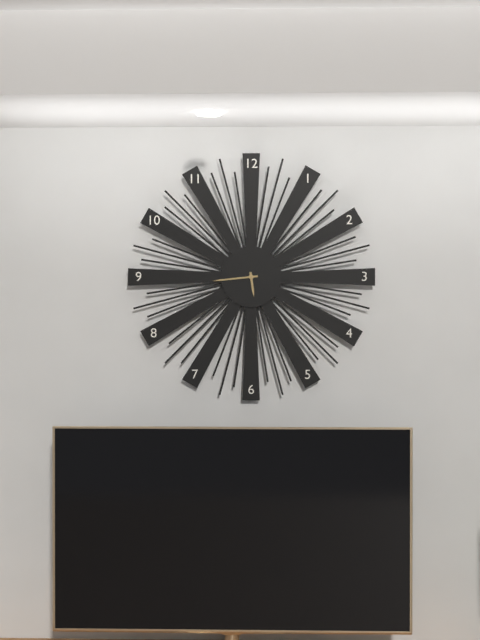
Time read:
5h44
